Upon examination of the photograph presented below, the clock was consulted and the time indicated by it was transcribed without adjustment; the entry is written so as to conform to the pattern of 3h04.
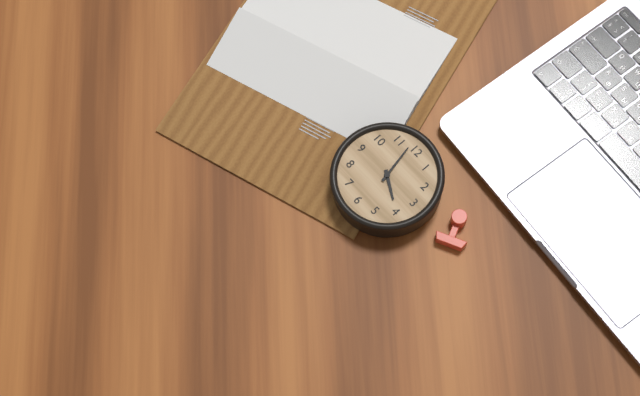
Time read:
3h58
